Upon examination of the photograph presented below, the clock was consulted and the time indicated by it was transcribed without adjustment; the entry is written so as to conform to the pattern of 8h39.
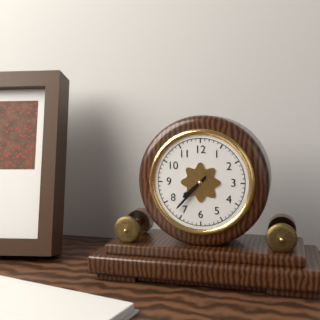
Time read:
7h37
